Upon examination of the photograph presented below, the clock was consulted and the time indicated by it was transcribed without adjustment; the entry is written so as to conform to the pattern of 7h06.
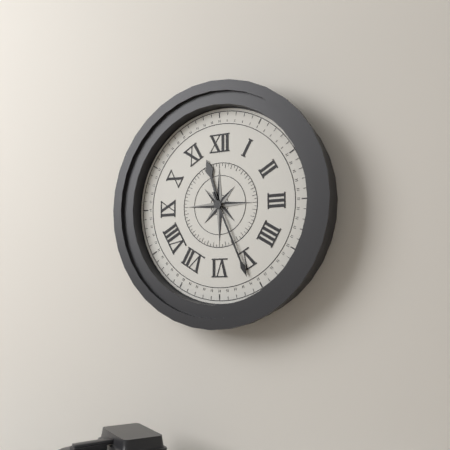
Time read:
11h26
